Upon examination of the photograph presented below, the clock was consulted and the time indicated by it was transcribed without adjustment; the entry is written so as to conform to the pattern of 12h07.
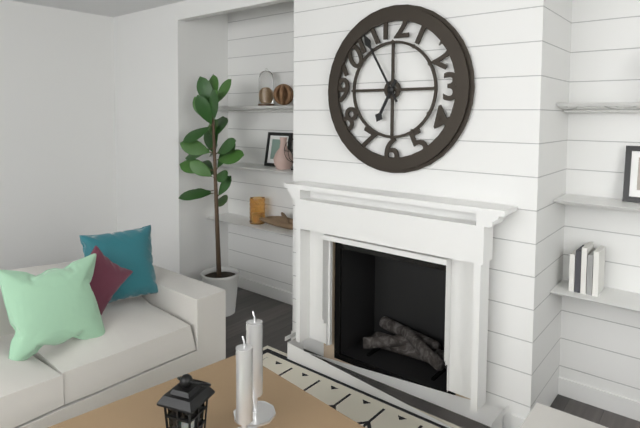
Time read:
6h55
